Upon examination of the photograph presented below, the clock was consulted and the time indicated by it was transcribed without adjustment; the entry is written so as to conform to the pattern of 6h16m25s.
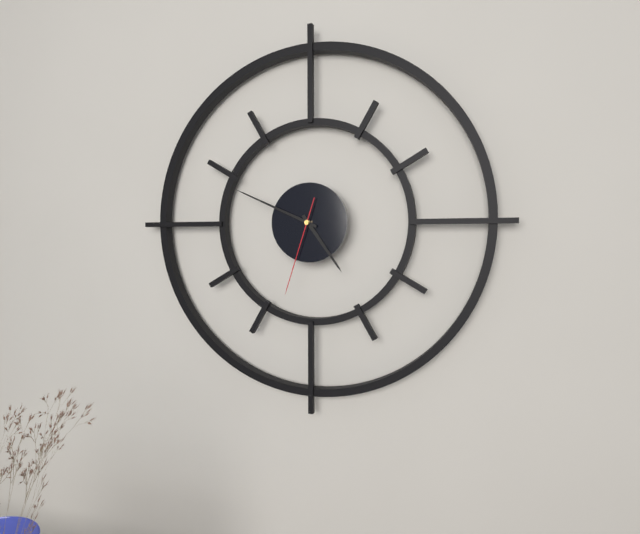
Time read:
4h49m33s
